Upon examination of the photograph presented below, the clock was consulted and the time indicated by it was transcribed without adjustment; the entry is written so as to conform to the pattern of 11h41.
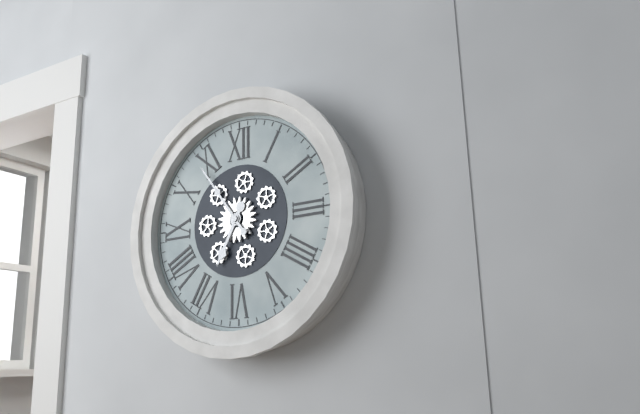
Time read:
6h54
